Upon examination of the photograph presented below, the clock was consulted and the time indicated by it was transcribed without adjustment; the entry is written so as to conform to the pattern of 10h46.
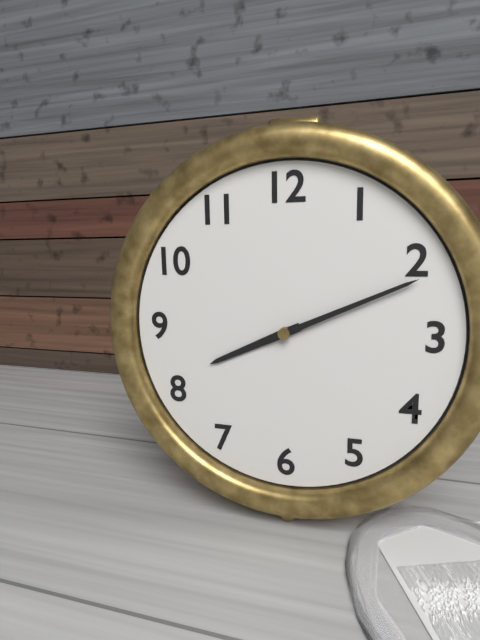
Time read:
8h11
